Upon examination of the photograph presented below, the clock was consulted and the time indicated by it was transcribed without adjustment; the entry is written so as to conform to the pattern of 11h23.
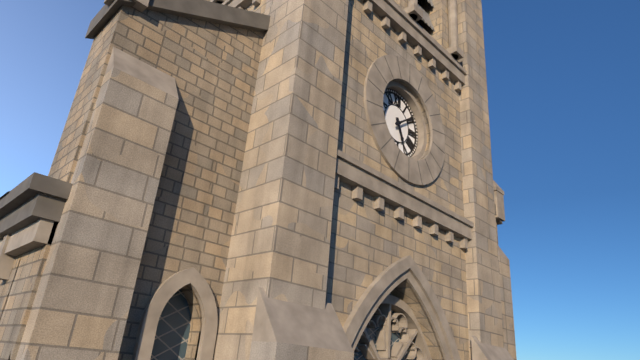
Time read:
5h09
